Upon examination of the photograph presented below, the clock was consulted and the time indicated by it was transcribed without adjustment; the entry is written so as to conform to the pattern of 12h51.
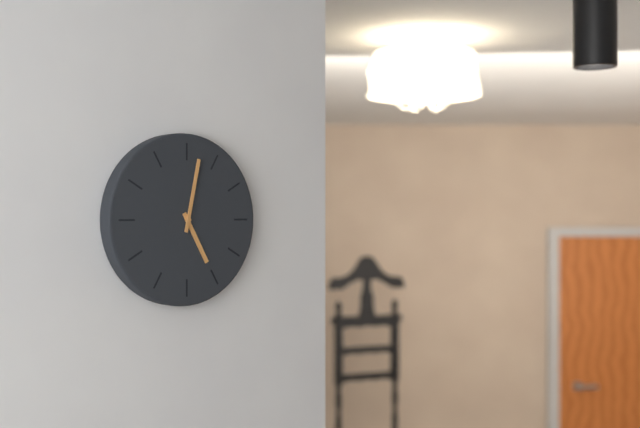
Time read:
5h02
